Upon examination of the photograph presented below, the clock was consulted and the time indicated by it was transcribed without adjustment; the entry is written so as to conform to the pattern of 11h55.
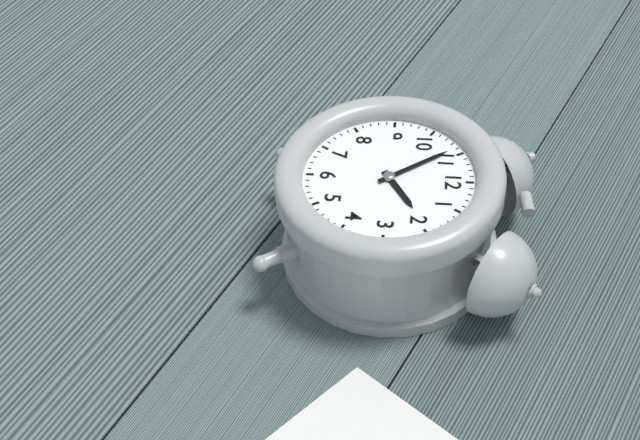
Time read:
1h54
